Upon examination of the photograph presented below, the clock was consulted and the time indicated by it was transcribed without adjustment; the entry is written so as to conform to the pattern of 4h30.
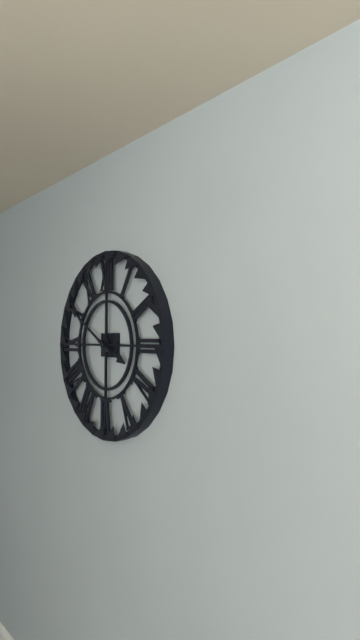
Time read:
3h50
